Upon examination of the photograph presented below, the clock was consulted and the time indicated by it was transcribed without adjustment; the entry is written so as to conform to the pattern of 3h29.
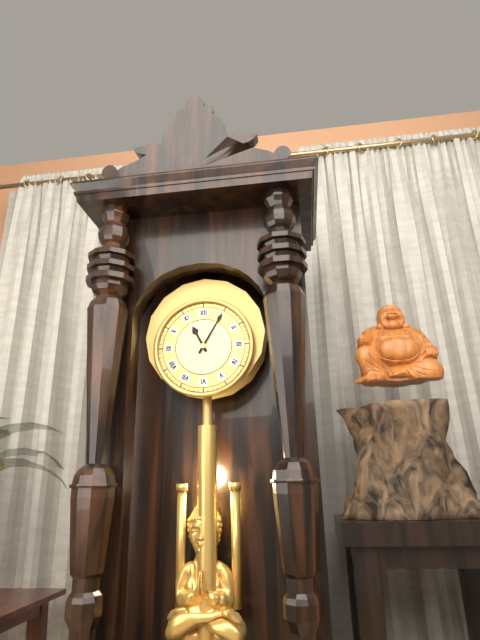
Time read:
11h05
